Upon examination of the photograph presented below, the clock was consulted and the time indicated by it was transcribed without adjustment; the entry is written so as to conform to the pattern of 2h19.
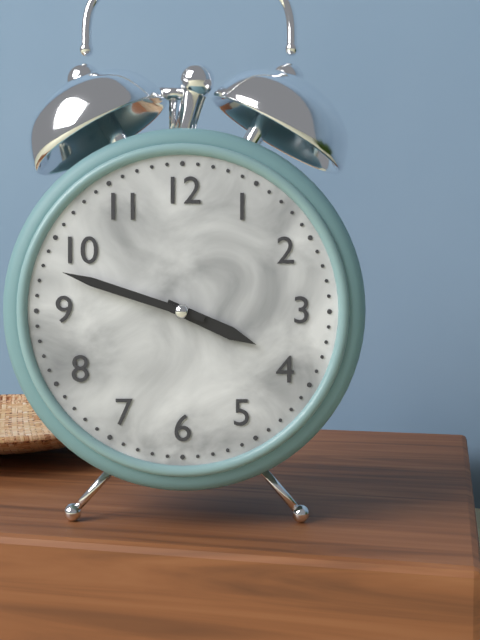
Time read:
3h48
